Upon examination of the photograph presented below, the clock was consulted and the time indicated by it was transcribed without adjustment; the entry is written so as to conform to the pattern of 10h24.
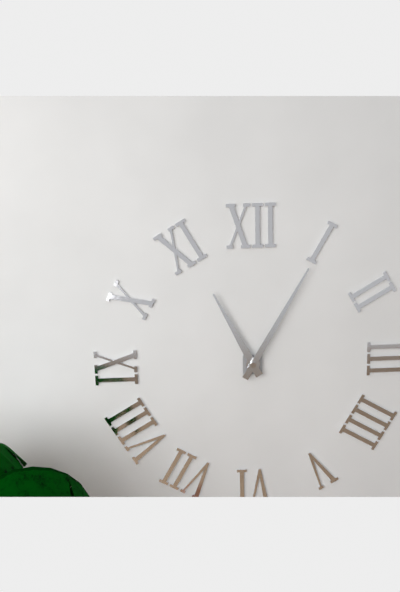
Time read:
11h05
